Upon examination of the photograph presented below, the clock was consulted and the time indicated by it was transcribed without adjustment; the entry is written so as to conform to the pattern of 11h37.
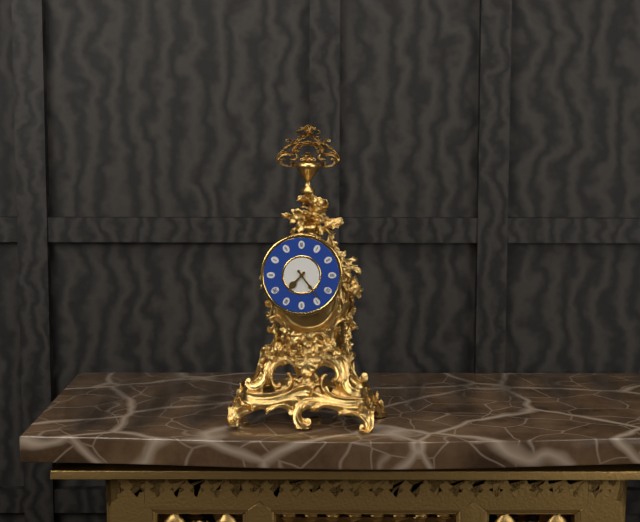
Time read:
7h24
